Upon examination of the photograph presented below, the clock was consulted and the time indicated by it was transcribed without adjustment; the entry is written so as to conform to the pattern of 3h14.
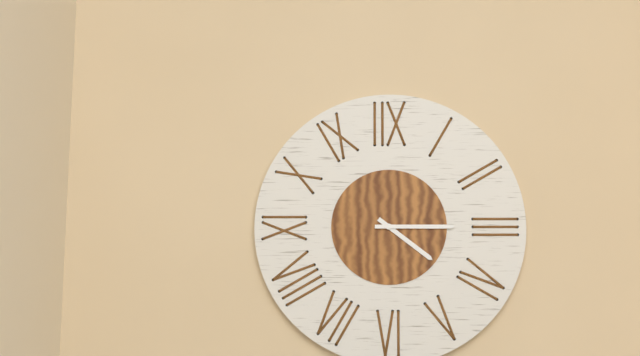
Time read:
4h15
